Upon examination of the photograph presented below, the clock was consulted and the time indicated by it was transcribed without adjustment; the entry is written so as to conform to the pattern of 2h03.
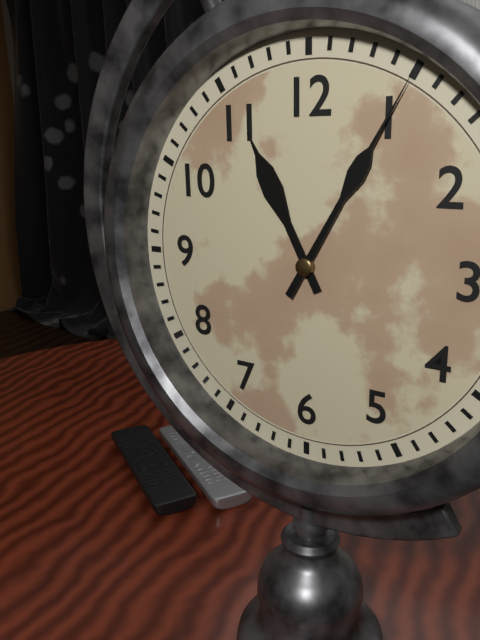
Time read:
11h05
